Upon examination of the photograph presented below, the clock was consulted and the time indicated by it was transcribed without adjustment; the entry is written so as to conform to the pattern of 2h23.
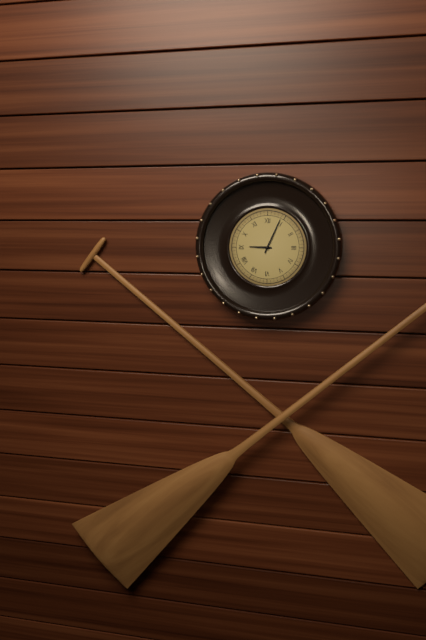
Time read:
9h04
